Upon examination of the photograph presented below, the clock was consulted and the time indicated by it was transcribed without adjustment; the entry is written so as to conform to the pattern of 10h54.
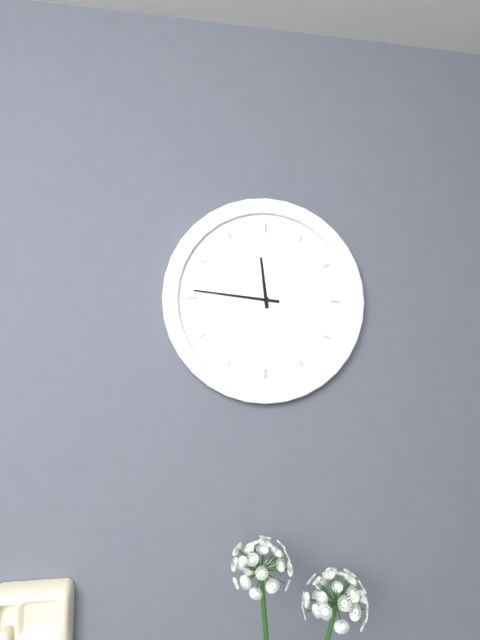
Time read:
11h46
